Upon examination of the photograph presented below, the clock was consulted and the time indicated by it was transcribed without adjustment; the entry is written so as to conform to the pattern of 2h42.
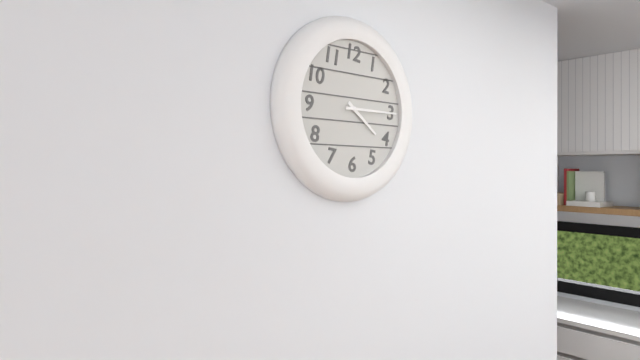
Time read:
4h15
